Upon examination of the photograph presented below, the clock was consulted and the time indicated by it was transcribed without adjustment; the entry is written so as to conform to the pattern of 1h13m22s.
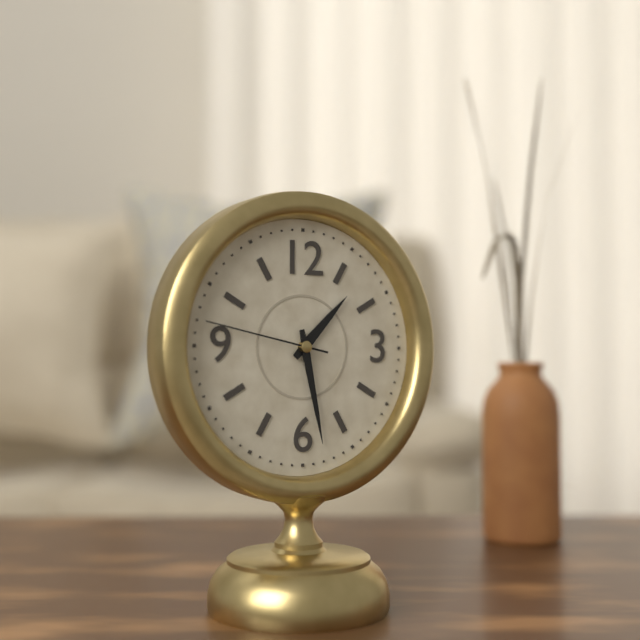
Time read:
1h28m47s
